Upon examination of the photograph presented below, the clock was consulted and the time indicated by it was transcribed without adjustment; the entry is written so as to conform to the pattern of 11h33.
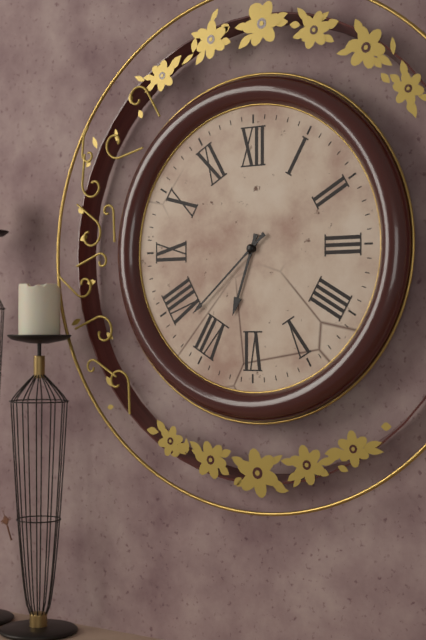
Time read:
6h38
